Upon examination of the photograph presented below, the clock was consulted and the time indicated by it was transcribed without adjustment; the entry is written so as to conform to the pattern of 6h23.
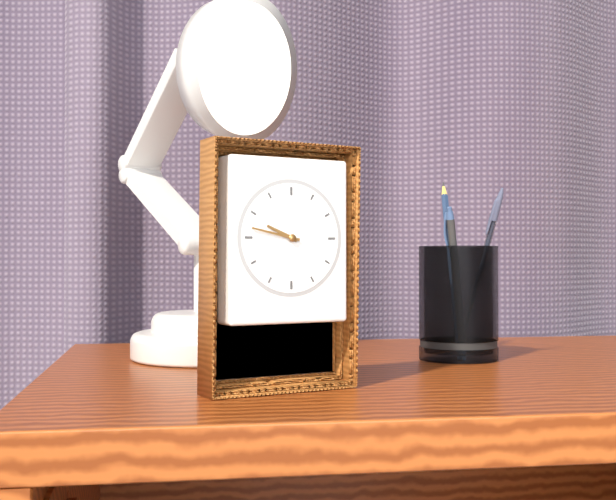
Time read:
9h47
